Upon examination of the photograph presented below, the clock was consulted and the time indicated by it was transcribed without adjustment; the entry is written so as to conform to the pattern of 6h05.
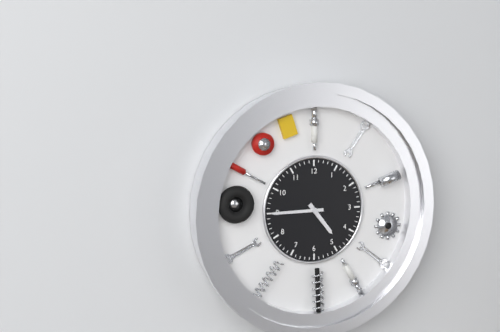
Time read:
4h45
